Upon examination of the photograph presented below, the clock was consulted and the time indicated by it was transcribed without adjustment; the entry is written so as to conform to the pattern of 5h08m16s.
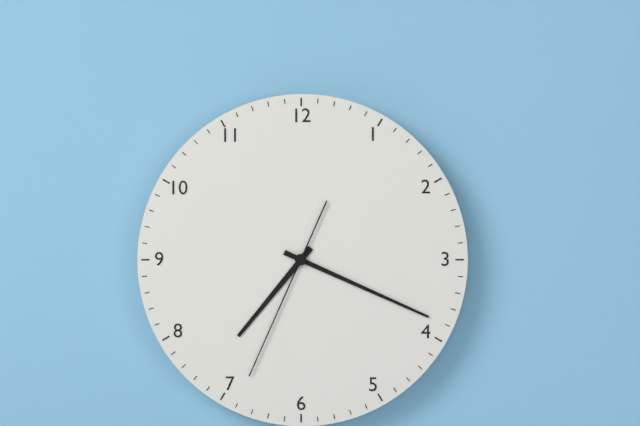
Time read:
7h19m34s
